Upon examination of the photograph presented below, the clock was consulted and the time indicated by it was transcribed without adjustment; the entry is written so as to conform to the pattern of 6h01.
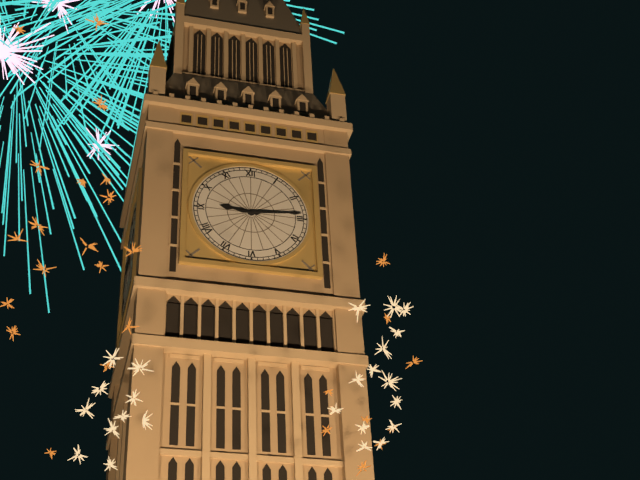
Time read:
9h14
